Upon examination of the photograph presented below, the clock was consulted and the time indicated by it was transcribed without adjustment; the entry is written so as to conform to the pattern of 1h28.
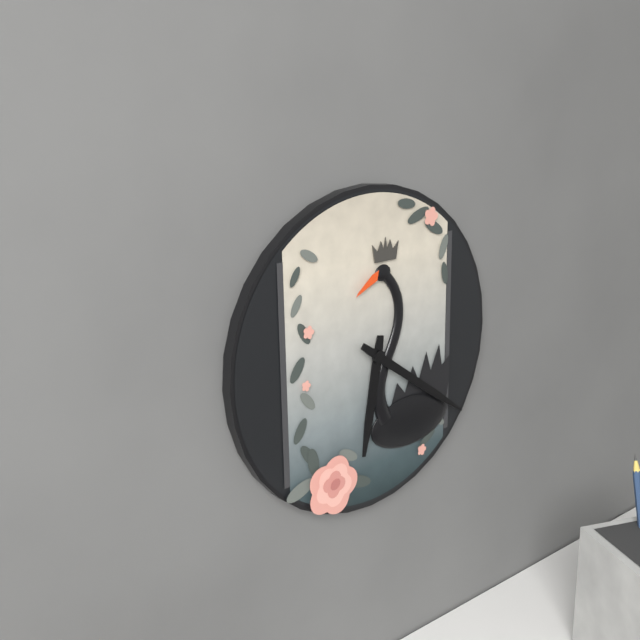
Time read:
6h21
